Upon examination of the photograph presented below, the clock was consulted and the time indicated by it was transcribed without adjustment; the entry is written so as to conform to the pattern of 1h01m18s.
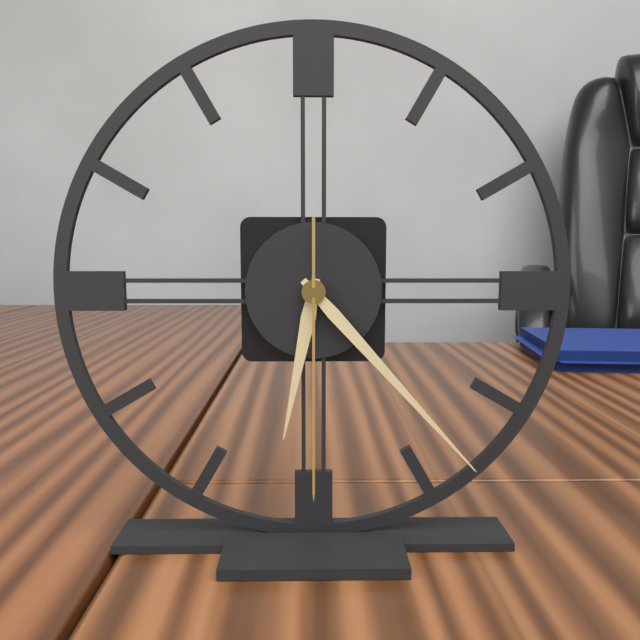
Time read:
6h23m30s
